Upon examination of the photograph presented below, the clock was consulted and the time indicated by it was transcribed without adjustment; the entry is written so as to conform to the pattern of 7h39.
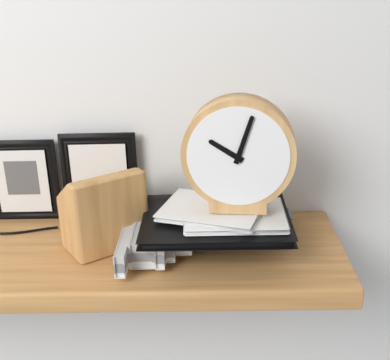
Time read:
10h03
